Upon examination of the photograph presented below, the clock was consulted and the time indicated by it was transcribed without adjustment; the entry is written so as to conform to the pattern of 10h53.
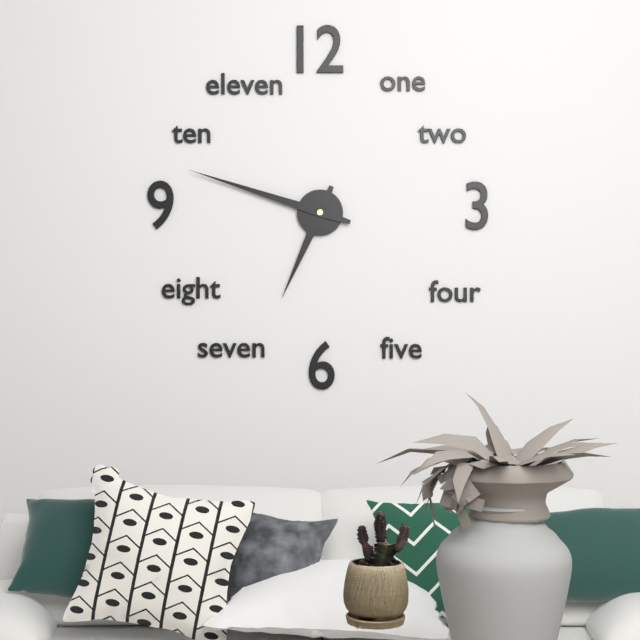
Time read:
6h48
